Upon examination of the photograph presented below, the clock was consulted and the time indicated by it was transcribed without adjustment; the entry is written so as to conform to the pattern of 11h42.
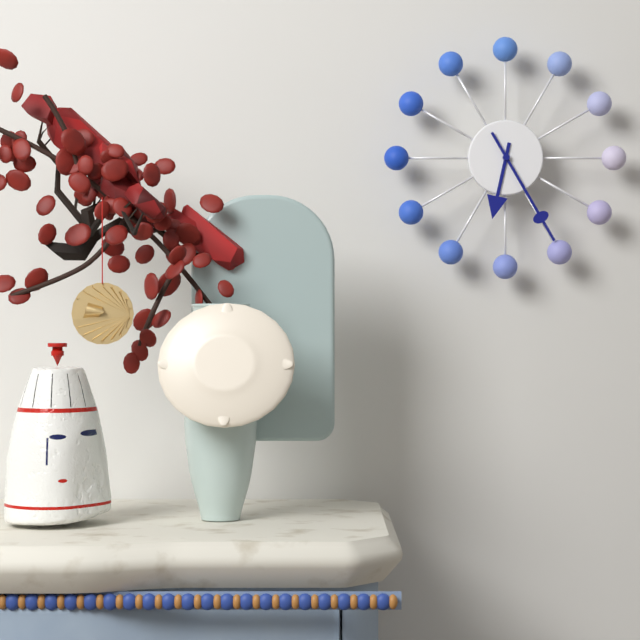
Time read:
6h25
